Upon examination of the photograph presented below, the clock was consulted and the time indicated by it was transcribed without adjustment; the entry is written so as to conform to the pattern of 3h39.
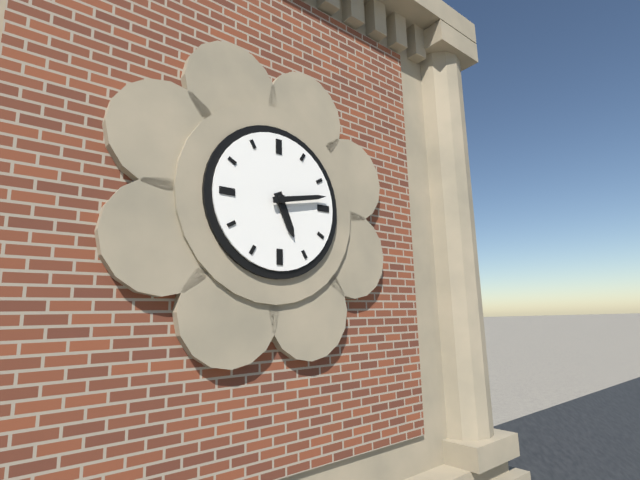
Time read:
5h13
